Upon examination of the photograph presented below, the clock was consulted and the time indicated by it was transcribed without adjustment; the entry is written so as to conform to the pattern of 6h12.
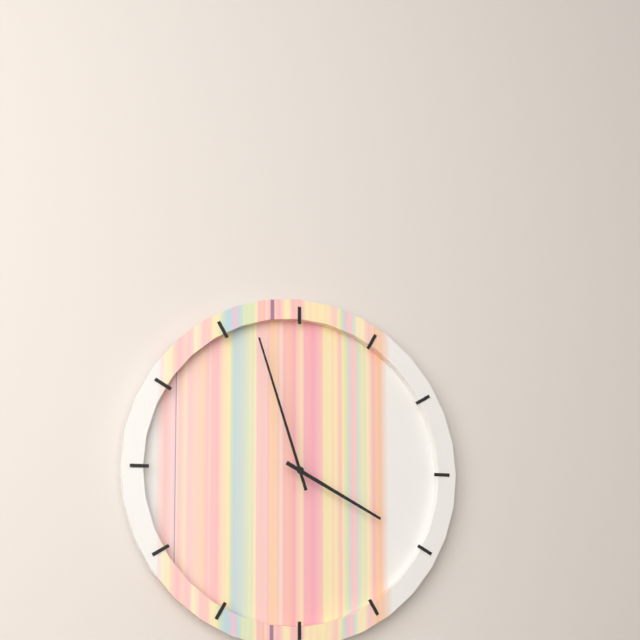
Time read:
3h57
